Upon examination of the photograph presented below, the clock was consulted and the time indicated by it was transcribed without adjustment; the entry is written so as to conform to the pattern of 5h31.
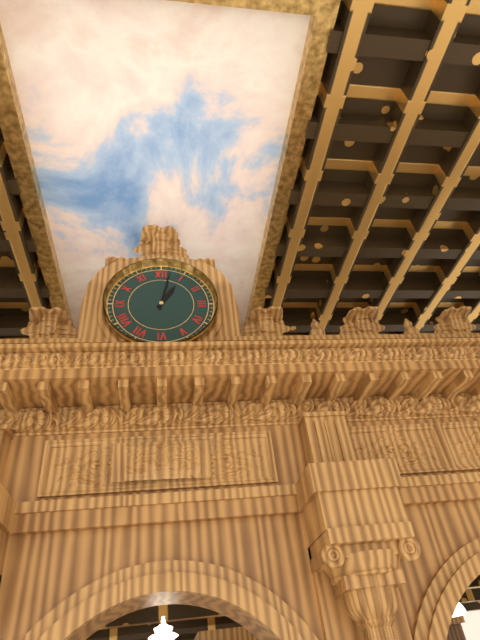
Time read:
1h02
